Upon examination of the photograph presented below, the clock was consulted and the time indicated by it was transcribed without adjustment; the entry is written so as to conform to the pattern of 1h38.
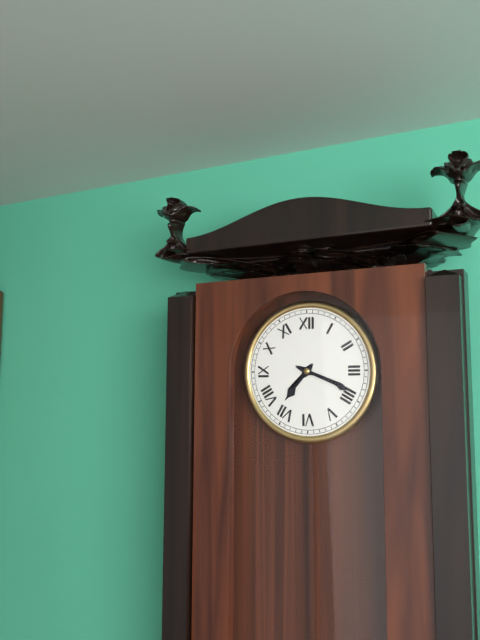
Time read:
7h19
